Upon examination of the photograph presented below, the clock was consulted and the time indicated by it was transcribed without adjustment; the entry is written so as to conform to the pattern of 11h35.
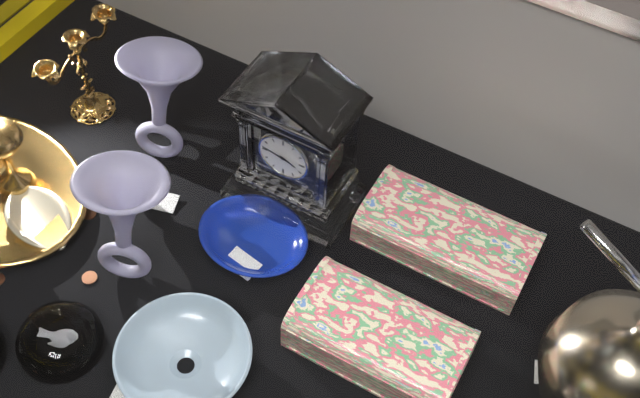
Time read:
3h47
